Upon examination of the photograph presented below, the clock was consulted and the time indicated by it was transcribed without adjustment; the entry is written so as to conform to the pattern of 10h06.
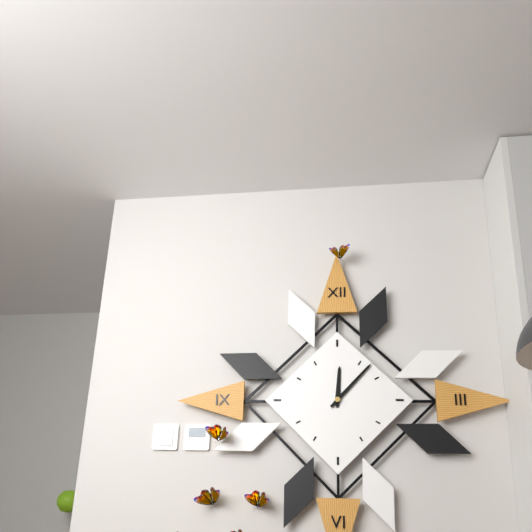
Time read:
12h07
